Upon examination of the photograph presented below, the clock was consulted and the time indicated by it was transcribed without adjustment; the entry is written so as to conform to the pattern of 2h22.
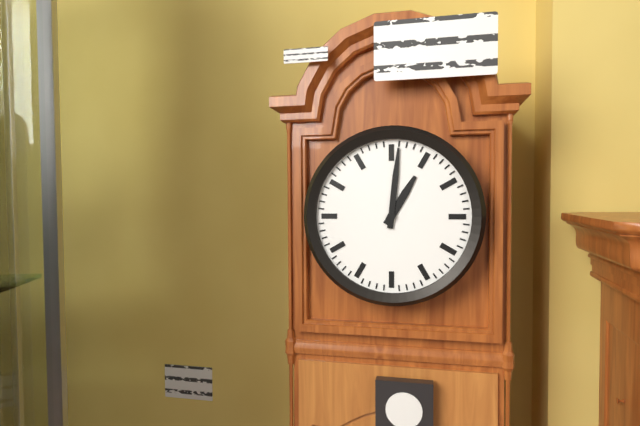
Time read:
1h01
